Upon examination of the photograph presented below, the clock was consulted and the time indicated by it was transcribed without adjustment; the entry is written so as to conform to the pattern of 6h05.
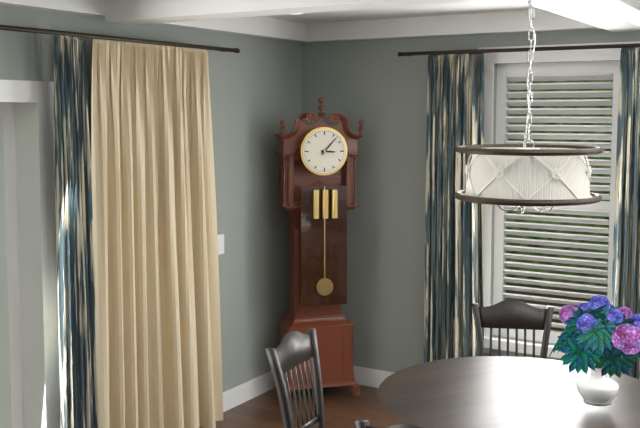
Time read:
3h07
